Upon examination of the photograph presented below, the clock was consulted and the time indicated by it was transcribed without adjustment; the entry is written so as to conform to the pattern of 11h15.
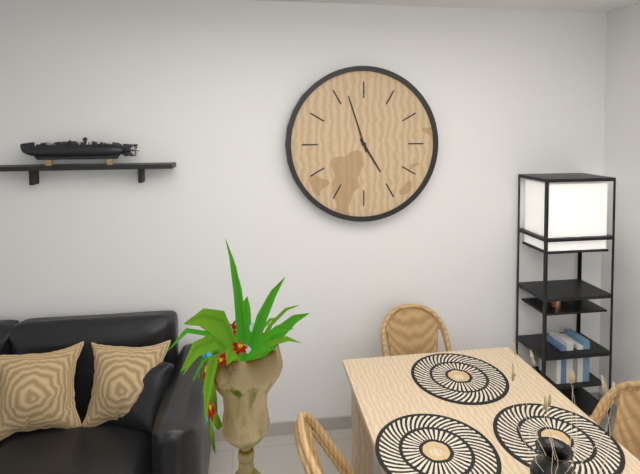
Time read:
4h57
